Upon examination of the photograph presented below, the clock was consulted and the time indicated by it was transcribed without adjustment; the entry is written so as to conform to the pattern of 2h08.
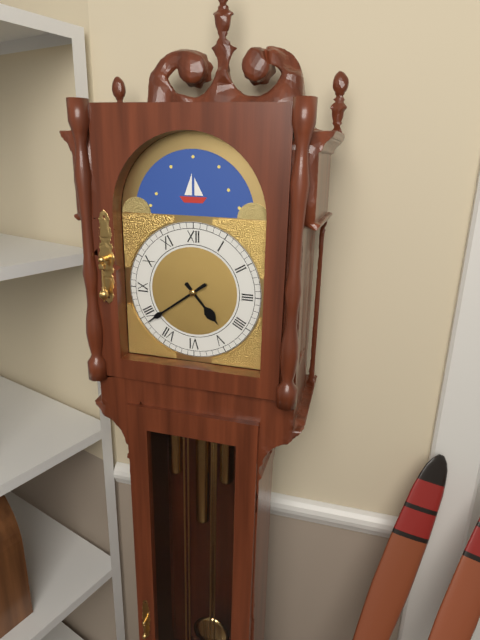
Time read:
4h39
